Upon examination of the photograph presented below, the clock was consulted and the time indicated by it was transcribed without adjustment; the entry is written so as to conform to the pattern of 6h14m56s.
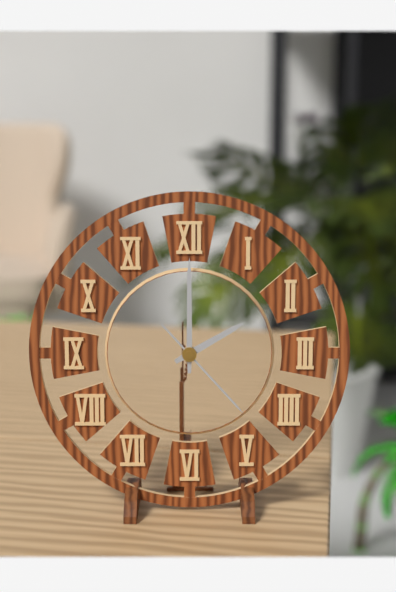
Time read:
2h00m23s
